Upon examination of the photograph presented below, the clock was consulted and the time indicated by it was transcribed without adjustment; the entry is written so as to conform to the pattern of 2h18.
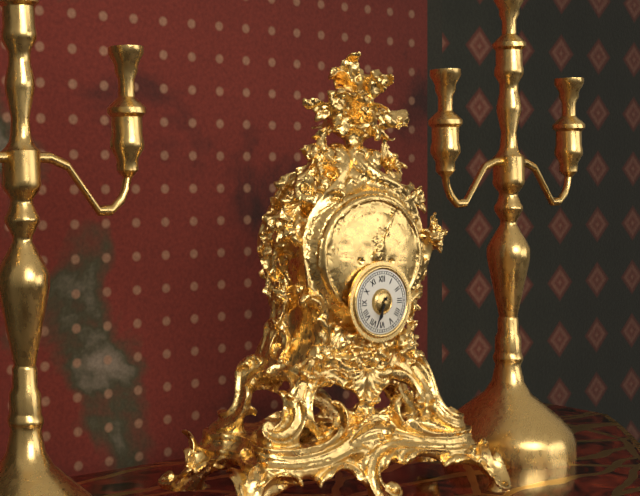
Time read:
6h34
